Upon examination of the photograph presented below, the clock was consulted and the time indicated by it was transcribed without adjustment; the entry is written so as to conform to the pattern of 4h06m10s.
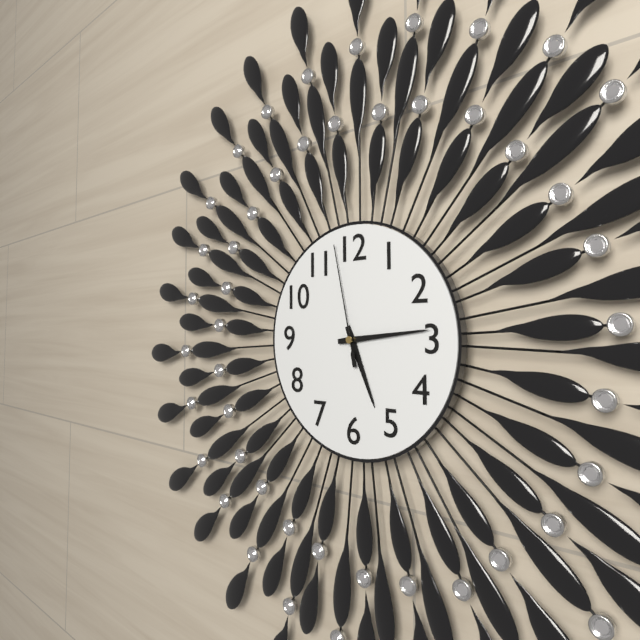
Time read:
5h14m58s
